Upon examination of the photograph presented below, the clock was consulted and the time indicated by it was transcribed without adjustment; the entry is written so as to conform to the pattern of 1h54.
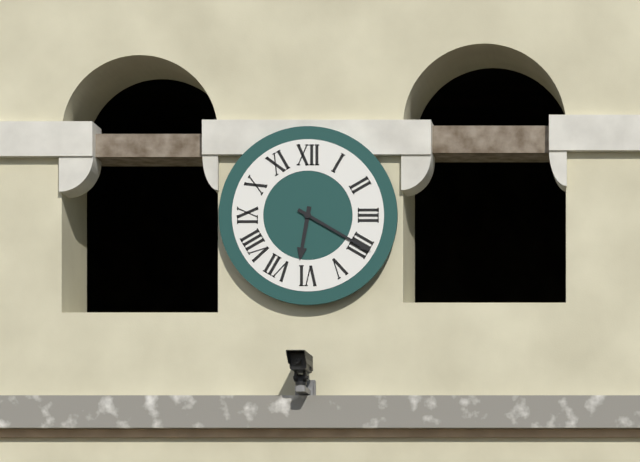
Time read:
6h20
